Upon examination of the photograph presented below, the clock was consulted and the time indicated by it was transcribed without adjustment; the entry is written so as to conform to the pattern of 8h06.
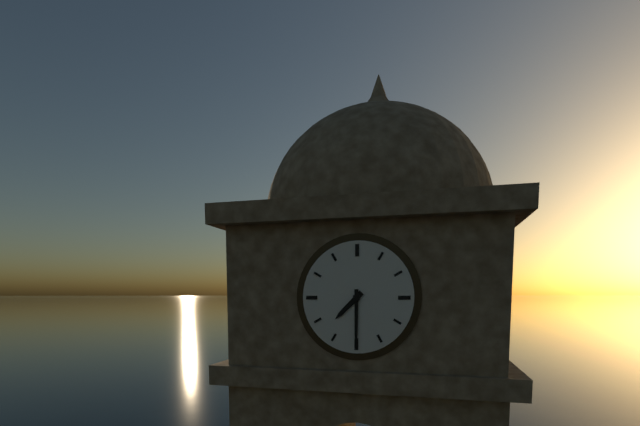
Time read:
7h30
